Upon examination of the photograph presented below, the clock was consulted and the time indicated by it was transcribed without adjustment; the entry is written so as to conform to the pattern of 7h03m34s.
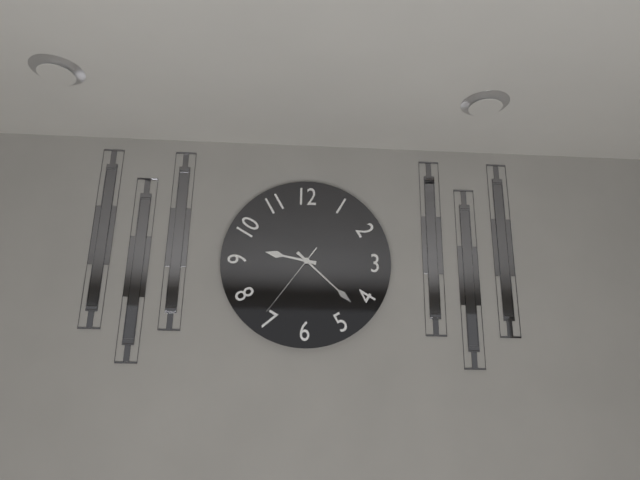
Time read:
9h22m36s
